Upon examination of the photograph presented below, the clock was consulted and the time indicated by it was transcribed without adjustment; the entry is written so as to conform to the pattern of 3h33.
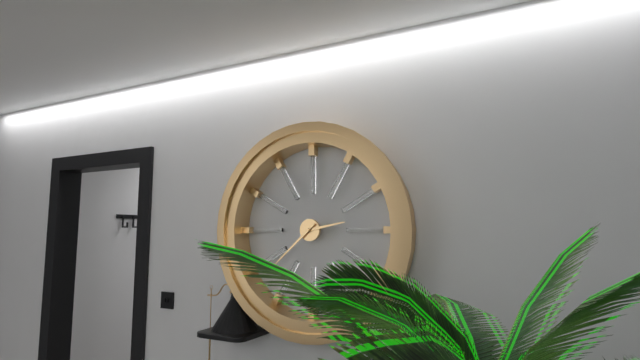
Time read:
2h38
